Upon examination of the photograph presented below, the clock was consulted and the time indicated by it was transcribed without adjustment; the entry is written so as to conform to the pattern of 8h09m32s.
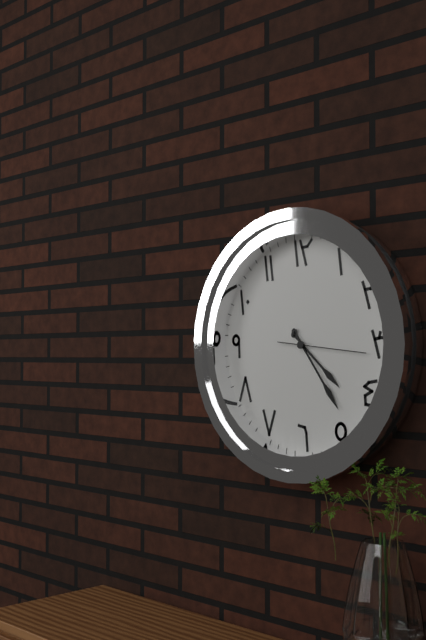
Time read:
4h24m16s
